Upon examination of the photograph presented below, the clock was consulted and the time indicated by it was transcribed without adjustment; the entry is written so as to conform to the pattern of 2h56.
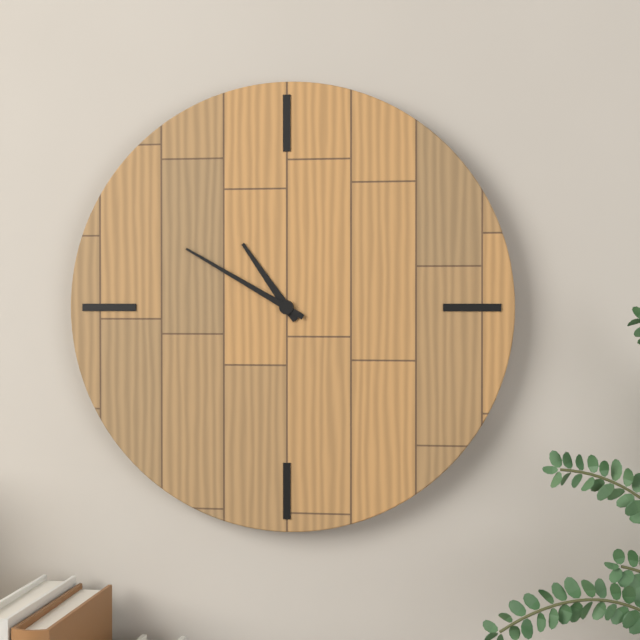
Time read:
10h50
